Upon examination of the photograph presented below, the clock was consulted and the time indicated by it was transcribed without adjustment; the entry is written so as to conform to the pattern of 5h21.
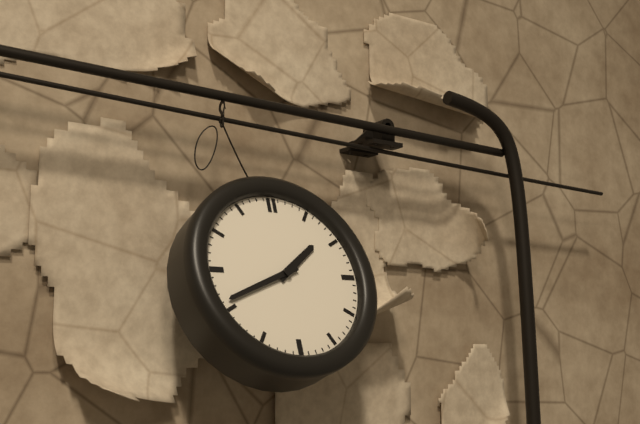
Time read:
1h41
